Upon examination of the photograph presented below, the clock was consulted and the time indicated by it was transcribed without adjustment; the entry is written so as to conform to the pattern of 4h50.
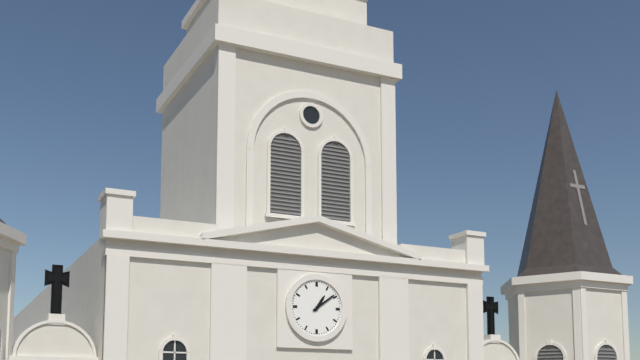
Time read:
1h09
